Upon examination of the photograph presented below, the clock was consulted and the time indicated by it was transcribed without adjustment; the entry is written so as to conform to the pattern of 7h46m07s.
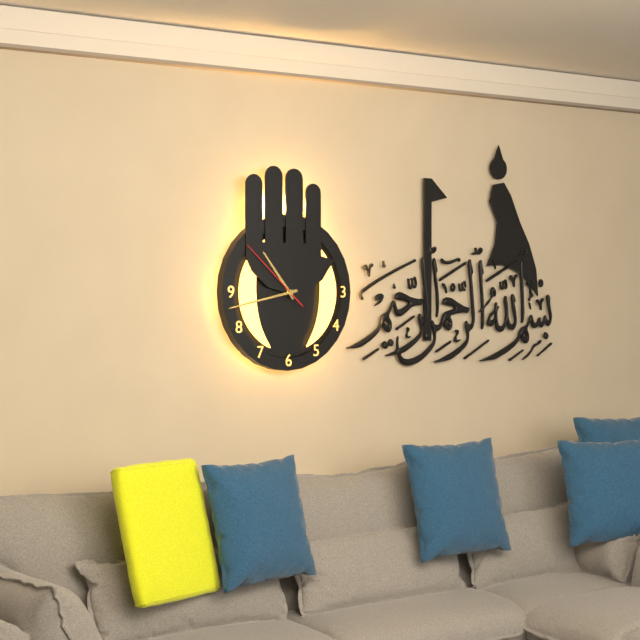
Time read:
10h43m52s
